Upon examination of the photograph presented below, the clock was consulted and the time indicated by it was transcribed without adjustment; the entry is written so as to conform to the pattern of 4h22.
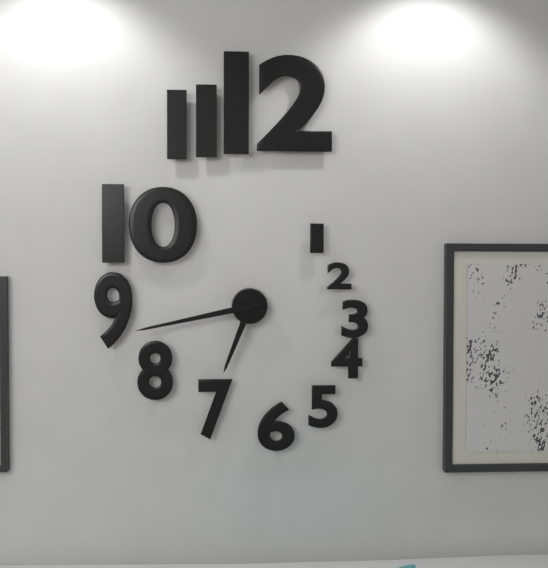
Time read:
6h43
